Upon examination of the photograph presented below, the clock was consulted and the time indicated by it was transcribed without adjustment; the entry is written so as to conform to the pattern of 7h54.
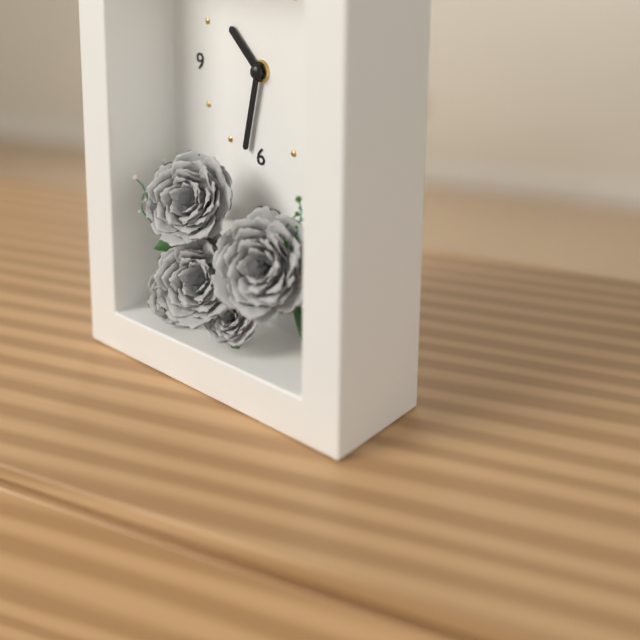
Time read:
10h32
